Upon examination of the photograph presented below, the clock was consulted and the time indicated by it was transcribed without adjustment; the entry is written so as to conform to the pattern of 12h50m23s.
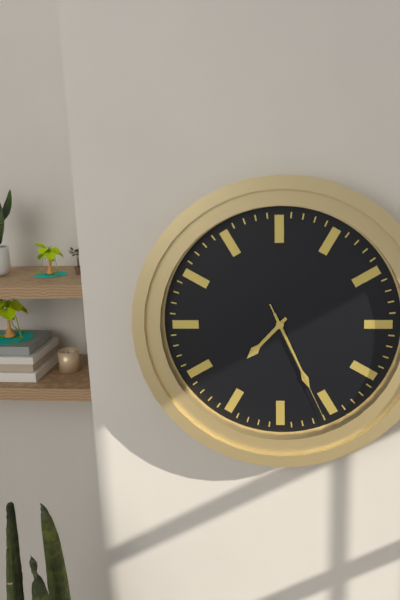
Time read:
7h26m26s
